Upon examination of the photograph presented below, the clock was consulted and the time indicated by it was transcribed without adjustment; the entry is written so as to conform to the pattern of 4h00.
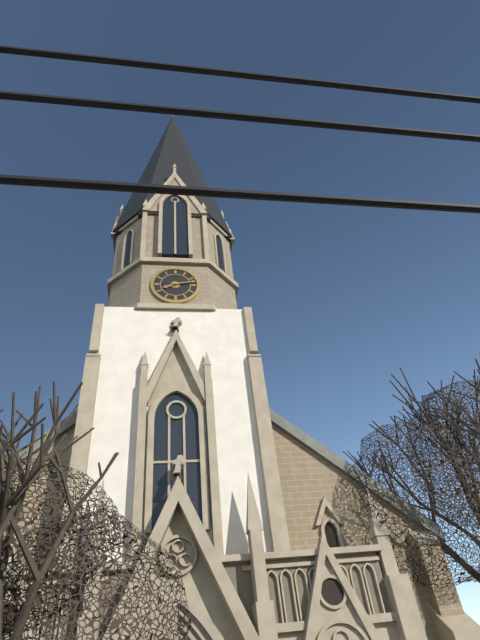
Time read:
8h13
